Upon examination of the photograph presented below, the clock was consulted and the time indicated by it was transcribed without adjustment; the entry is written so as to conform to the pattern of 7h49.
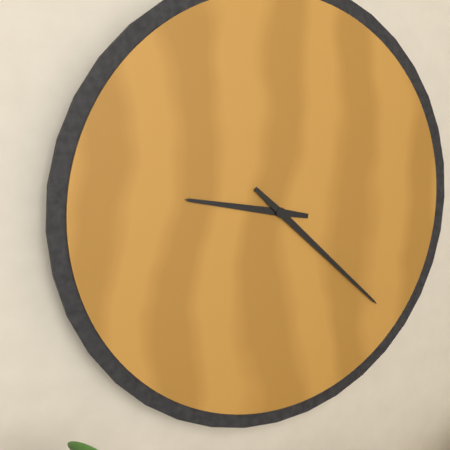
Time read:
9h22
